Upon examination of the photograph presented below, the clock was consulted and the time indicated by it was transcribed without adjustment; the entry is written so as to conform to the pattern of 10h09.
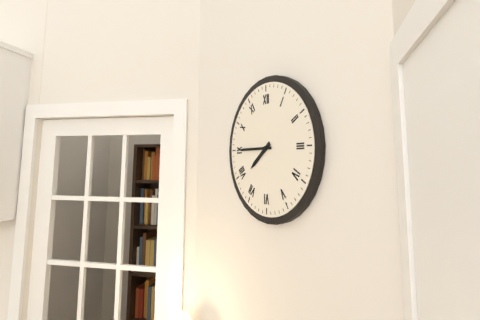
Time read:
7h45
